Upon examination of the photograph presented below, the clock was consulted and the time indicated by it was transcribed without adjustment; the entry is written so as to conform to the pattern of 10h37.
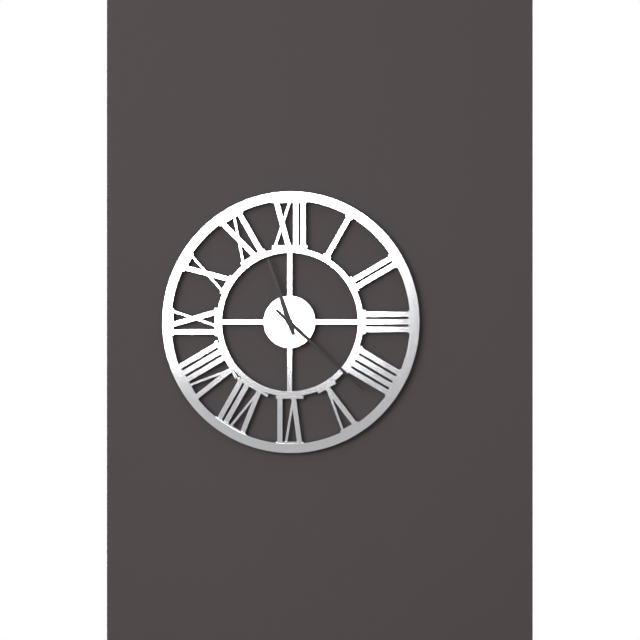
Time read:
11h22
